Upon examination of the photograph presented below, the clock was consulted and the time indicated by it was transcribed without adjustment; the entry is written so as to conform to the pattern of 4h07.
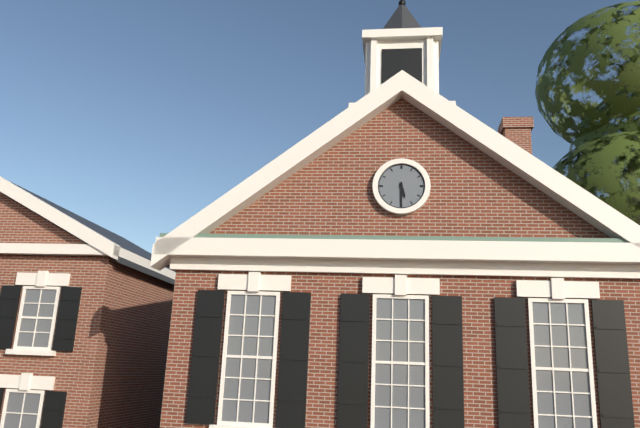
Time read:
5h30
